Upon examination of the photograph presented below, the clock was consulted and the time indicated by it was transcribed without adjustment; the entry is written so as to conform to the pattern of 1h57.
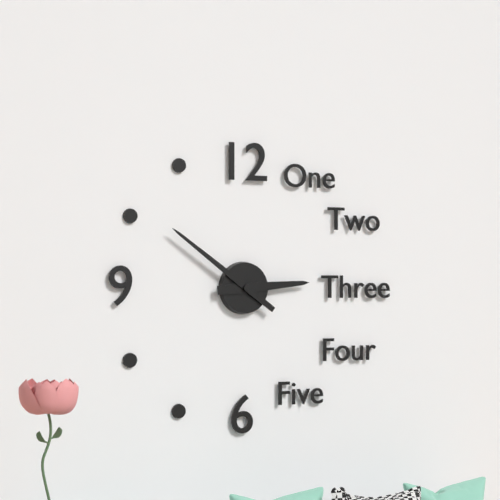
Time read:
2h51
